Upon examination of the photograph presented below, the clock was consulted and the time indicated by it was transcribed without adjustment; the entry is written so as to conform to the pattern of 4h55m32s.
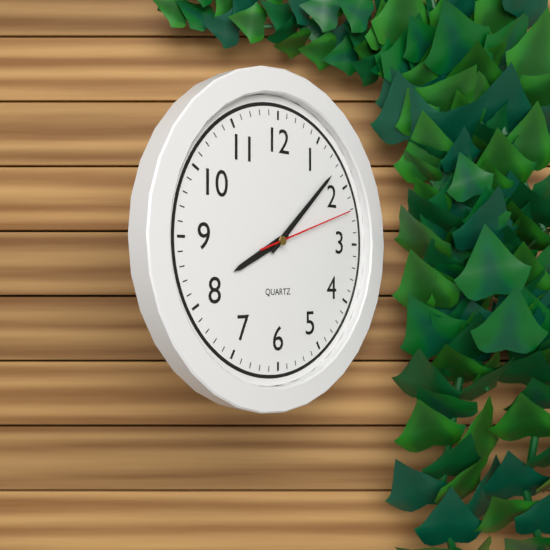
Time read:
8h08m12s
